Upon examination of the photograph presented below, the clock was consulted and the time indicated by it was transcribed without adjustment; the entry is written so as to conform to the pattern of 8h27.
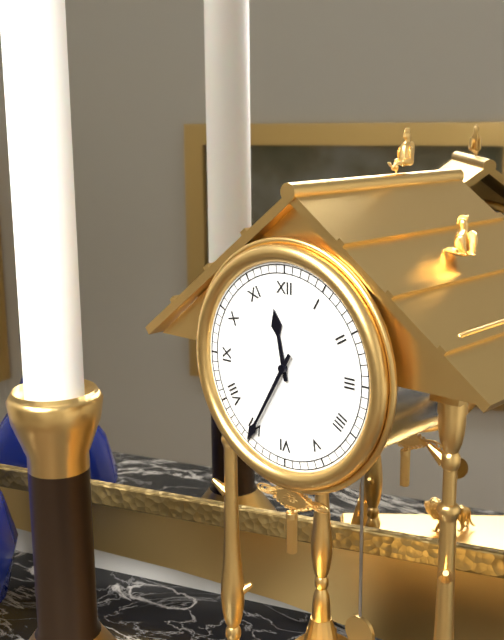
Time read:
11h35
